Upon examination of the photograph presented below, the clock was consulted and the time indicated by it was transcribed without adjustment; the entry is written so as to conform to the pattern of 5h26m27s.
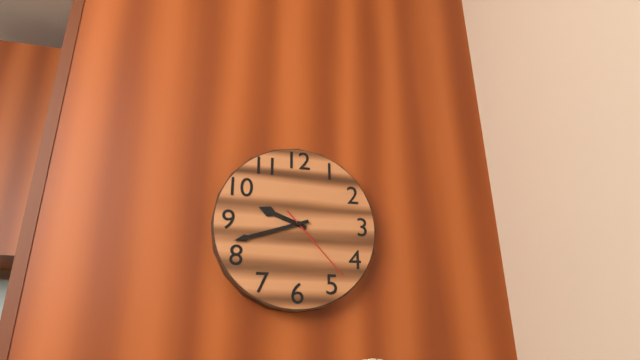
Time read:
9h42m23s
